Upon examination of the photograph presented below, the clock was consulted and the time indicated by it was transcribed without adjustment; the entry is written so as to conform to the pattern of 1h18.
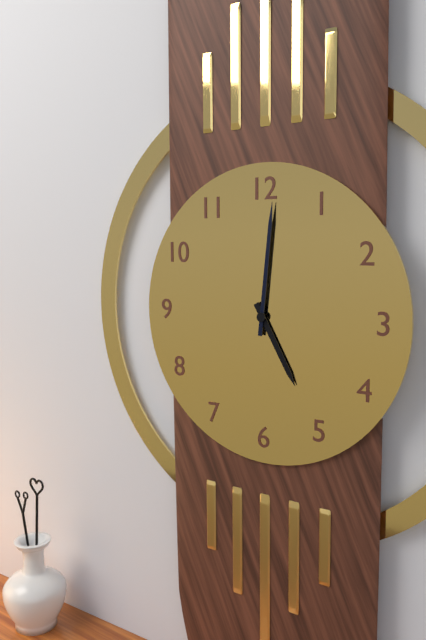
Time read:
5h01
